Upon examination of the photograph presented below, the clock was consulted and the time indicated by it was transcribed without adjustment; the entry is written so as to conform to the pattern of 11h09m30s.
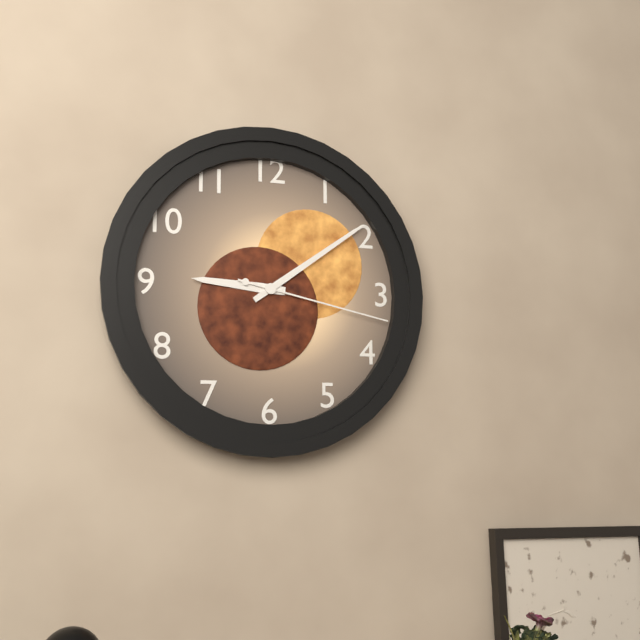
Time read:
9h09m17s
